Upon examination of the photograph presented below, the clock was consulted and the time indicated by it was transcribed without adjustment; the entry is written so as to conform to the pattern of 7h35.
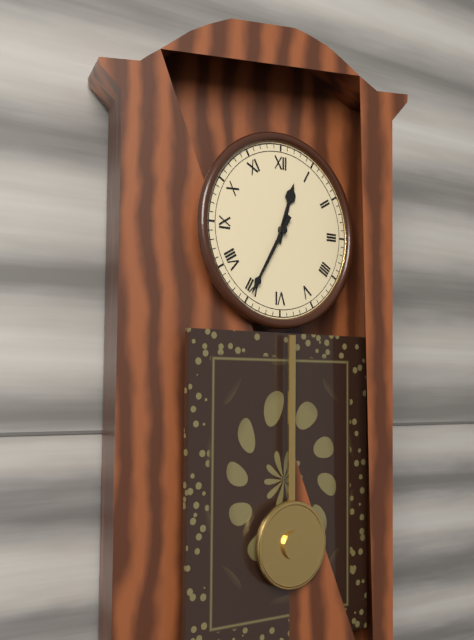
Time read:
12h35
